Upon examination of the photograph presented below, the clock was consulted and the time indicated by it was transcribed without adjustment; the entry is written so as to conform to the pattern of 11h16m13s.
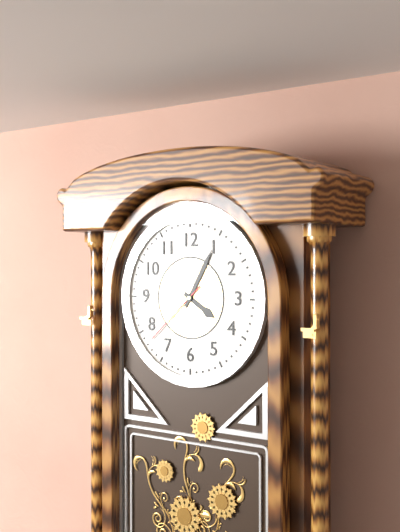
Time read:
4h05m38s
